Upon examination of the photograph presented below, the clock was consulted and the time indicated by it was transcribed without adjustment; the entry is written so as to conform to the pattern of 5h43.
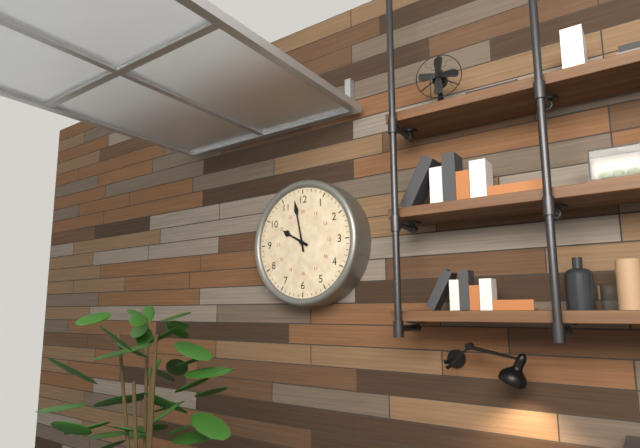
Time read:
9h58
